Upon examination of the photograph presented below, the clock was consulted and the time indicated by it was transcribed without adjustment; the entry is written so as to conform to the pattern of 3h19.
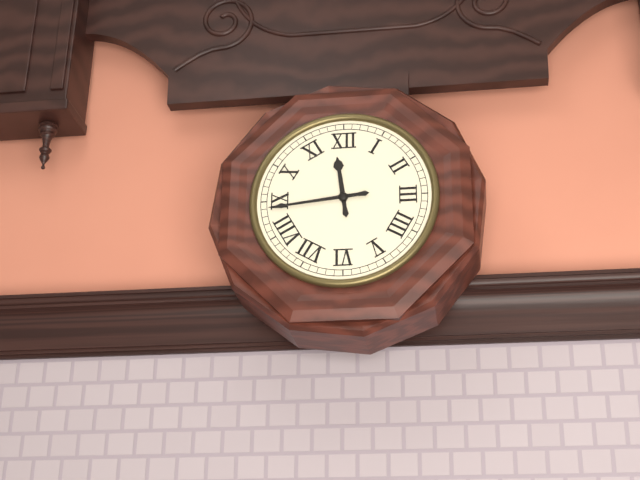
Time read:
11h44
